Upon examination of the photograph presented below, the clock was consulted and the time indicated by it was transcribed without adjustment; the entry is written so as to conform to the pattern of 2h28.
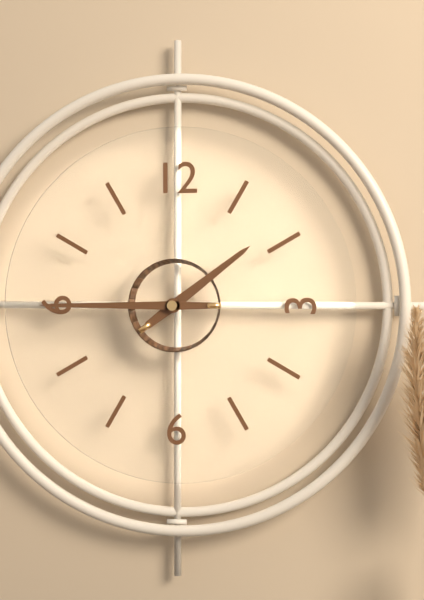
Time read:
1h45
